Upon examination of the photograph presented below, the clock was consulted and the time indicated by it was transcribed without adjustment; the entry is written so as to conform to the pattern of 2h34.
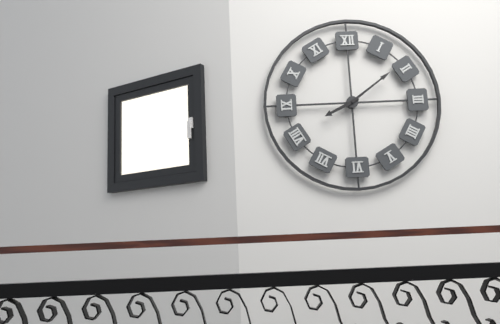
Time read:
8h09
